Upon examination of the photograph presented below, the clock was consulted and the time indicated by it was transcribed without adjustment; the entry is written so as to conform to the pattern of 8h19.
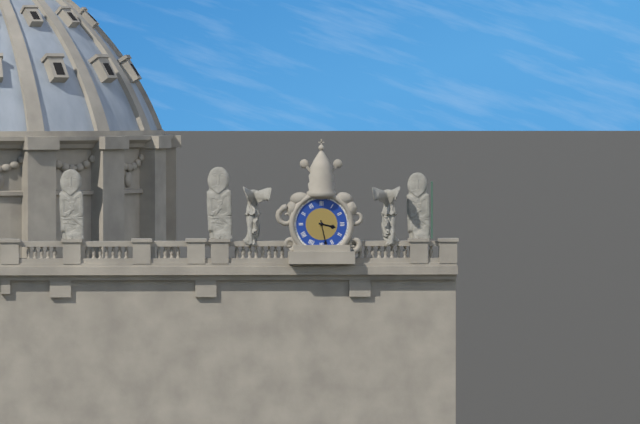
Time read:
3h28
